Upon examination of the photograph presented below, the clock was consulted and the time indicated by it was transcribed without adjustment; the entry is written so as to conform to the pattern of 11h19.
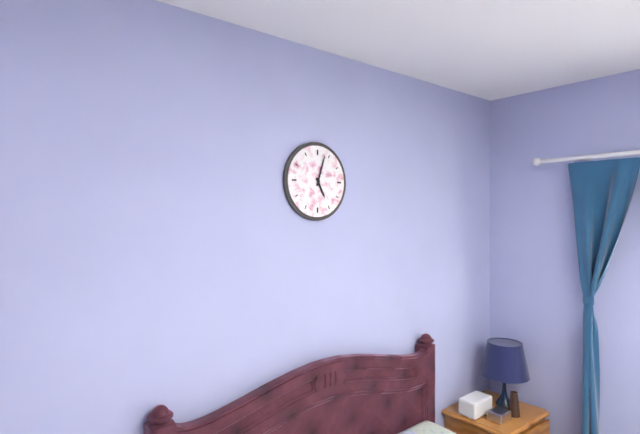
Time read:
5h03
